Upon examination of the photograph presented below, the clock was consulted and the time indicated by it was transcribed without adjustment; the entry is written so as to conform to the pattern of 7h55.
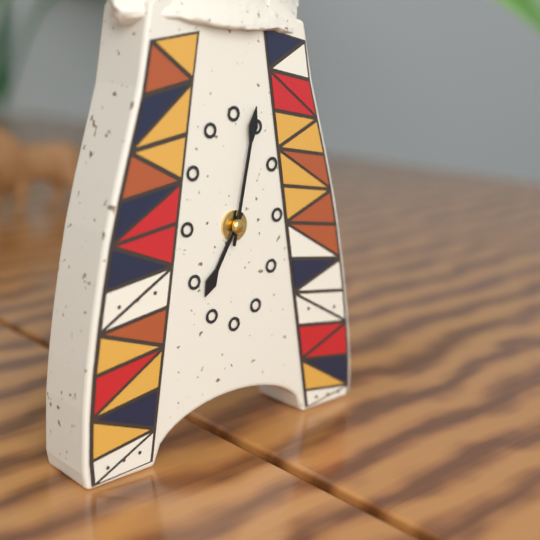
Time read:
7h02
